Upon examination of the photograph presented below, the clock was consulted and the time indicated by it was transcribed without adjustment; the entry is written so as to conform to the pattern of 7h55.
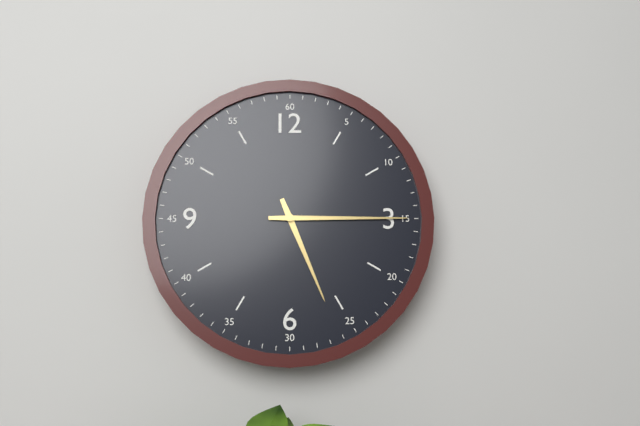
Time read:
5h15
